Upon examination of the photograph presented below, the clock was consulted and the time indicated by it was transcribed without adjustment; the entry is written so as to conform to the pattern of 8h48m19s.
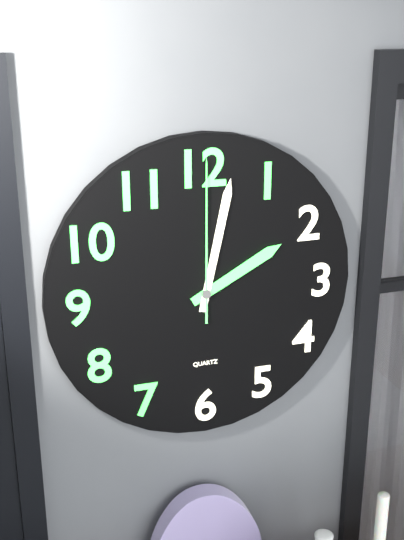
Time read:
2h02m00s
